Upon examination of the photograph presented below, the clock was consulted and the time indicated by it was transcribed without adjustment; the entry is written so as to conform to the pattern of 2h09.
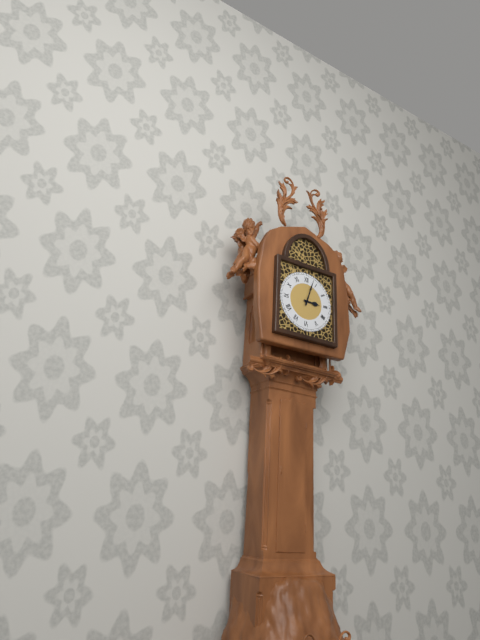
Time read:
3h03
